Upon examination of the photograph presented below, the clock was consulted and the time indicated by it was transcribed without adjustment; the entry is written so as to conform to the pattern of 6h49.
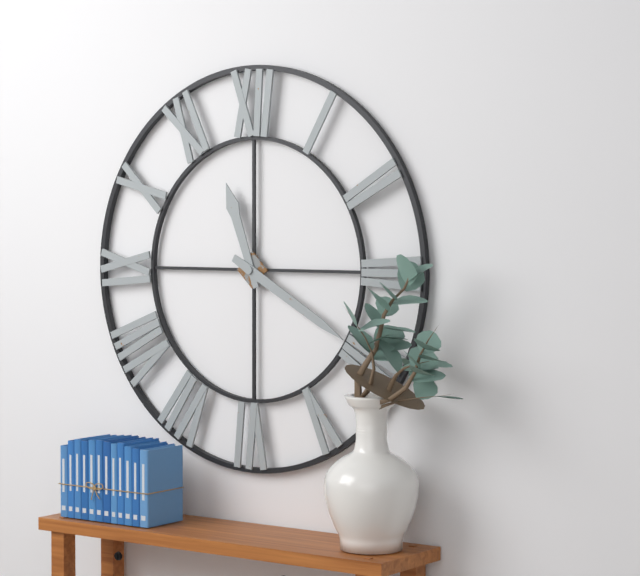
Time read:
11h20
